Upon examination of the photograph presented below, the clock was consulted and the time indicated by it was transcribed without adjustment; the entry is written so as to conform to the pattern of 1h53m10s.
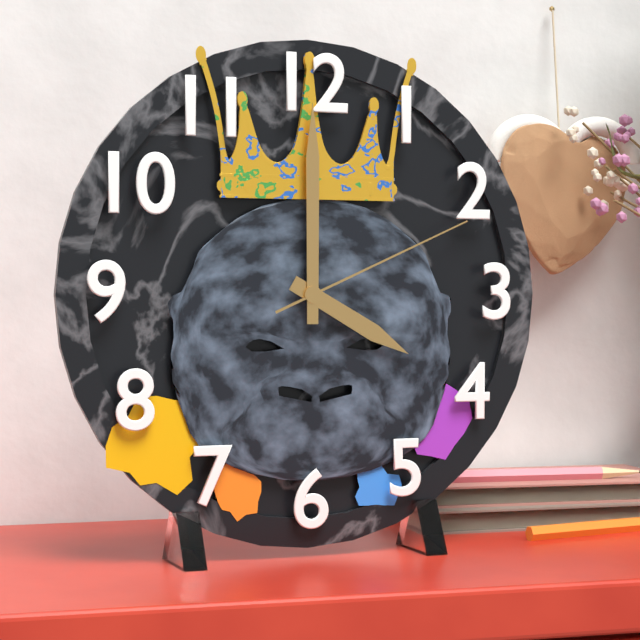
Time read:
4h00m11s
